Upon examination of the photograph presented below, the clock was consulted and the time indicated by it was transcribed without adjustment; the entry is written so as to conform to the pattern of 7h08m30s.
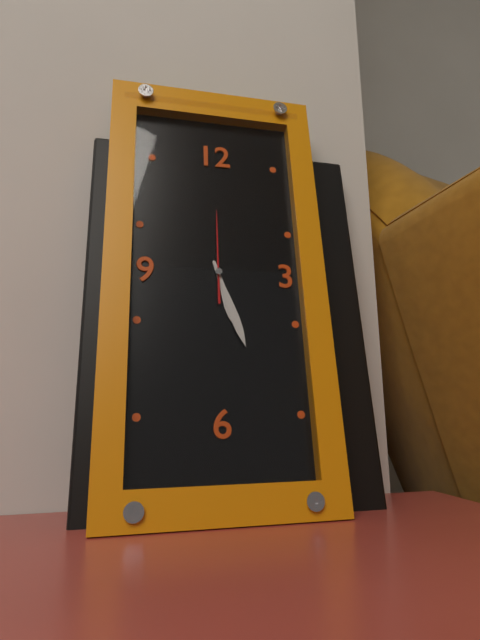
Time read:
5h27m00s
